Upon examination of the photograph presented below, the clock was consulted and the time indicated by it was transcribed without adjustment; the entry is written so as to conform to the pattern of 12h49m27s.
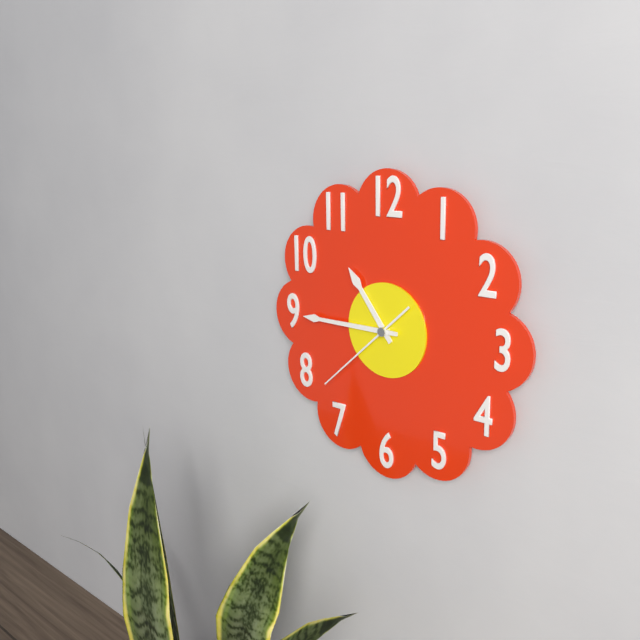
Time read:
10h45m38s
